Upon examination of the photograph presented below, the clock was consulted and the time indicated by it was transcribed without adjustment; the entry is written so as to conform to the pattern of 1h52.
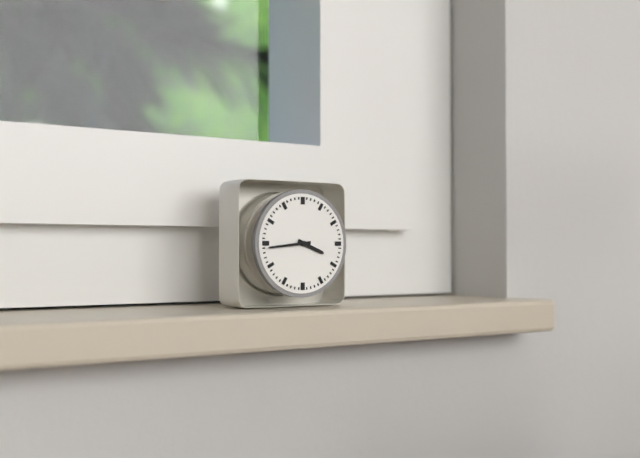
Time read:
3h44
